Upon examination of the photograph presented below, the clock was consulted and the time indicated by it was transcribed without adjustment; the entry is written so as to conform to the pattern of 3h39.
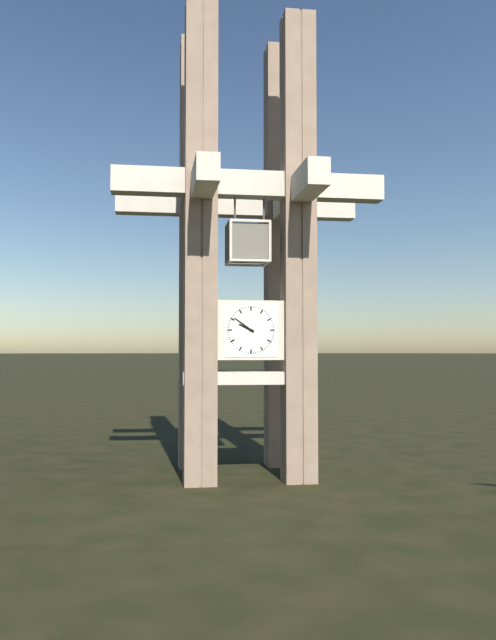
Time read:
9h51
